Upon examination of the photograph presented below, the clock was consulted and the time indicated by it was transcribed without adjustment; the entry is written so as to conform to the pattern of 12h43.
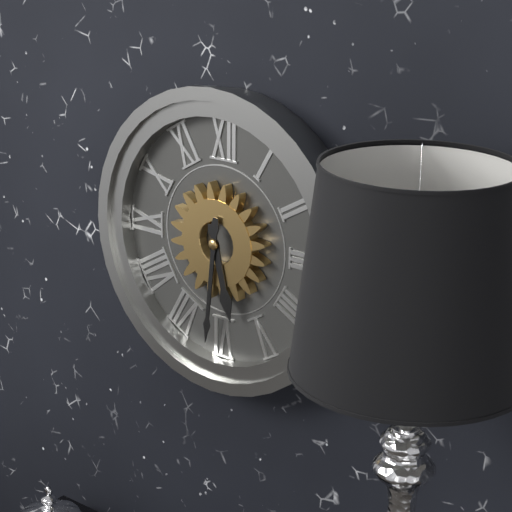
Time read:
5h31
